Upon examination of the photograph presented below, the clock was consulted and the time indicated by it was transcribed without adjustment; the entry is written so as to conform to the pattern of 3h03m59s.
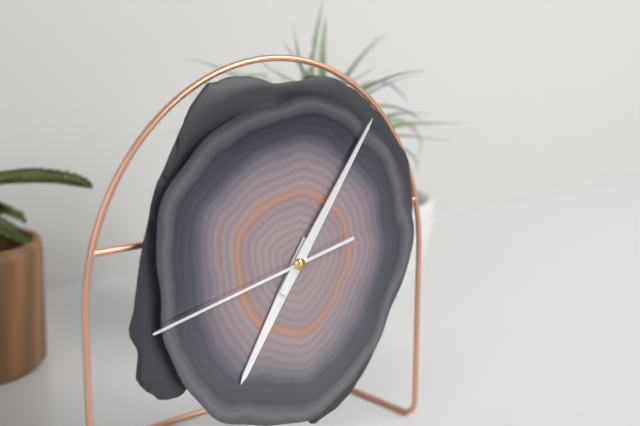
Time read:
7h06m43s
